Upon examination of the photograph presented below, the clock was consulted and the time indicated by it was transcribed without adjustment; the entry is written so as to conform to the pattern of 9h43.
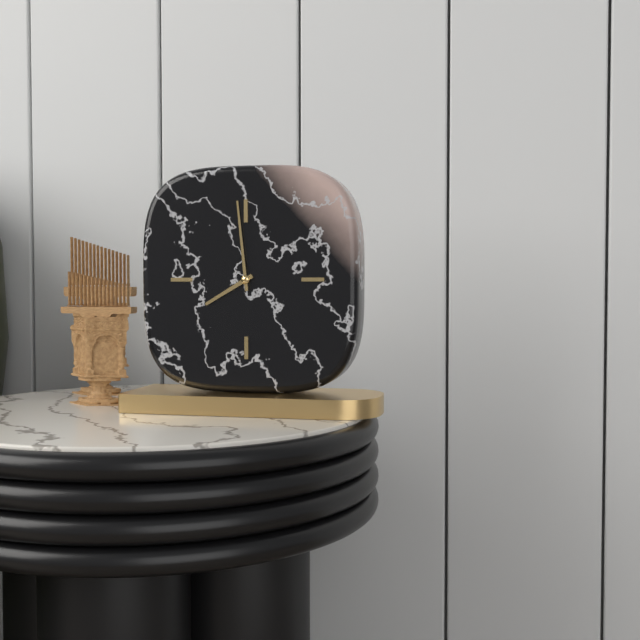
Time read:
7h59
